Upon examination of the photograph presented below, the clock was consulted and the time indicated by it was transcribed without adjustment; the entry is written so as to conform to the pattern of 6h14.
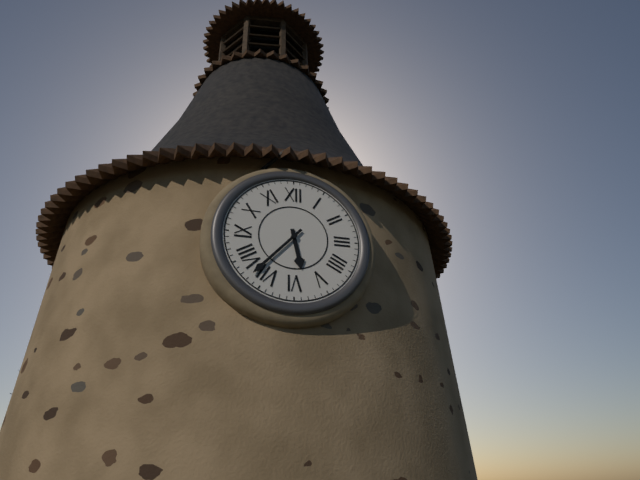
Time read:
5h37
